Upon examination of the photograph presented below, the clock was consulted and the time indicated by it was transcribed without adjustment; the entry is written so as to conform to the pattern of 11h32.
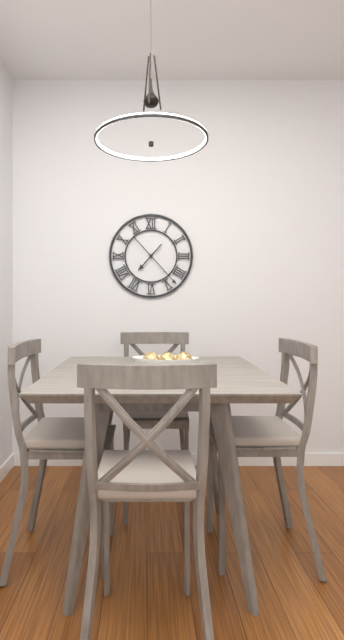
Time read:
7h23
